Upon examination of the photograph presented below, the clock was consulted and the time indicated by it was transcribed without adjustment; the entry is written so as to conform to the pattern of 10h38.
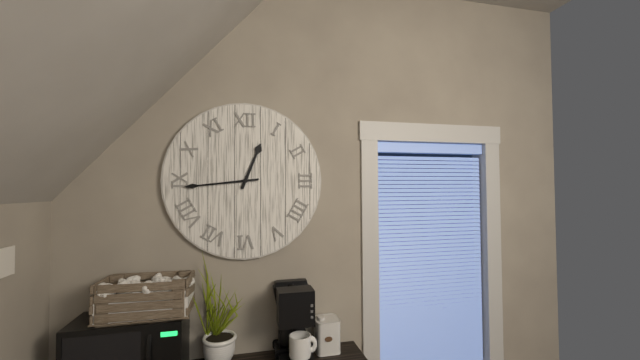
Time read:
12h44
